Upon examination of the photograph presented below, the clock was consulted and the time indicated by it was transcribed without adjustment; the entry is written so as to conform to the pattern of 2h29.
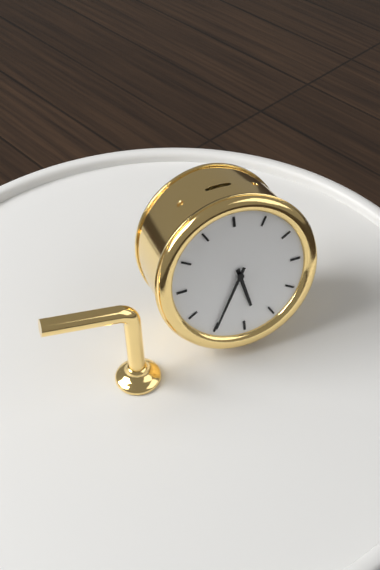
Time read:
5h35
